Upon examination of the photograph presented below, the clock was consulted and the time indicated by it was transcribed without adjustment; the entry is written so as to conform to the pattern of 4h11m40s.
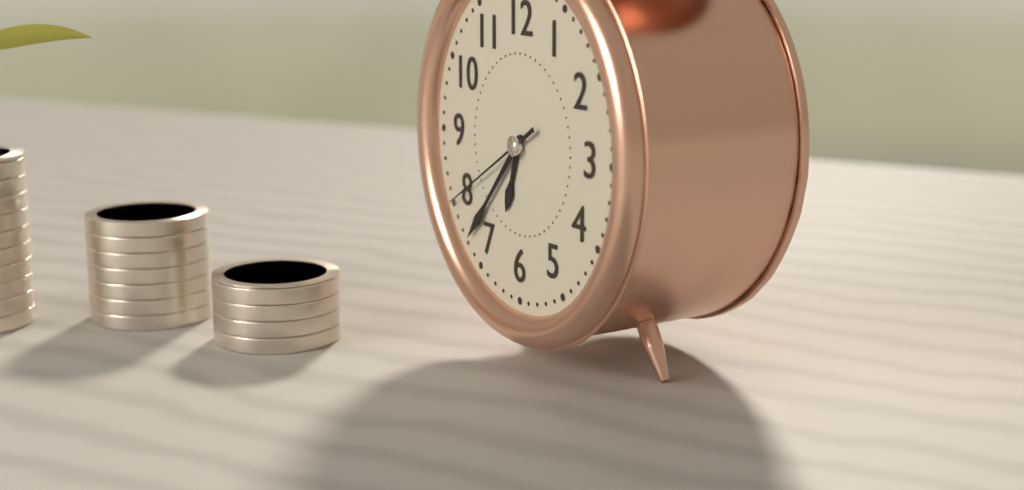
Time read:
6h37m40s
